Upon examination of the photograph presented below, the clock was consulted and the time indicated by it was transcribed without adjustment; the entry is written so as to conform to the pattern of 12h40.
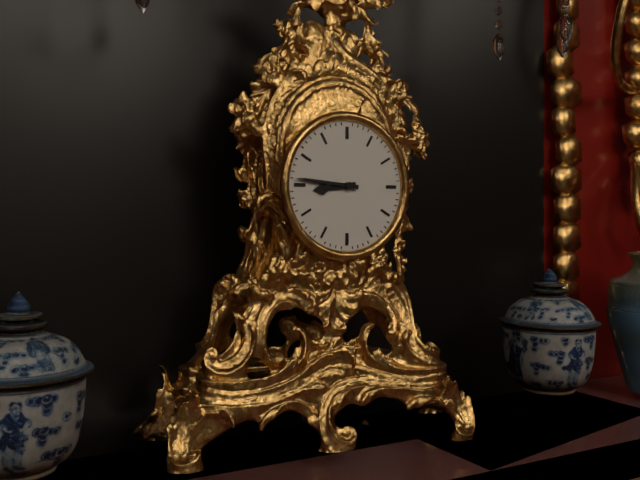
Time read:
8h46
